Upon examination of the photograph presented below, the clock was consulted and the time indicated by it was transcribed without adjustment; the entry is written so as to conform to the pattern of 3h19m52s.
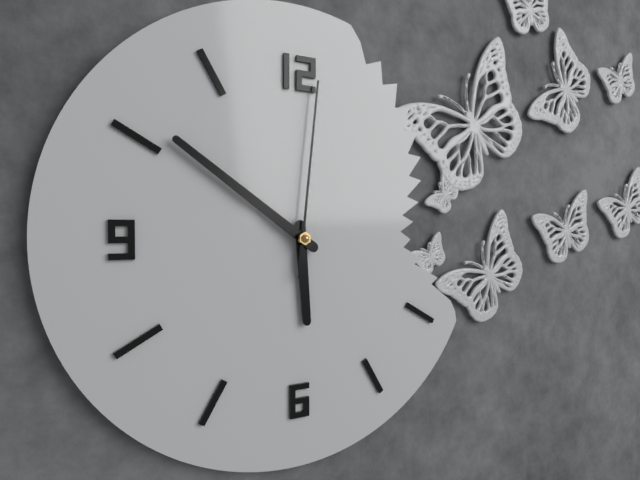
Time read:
5h51m01s
